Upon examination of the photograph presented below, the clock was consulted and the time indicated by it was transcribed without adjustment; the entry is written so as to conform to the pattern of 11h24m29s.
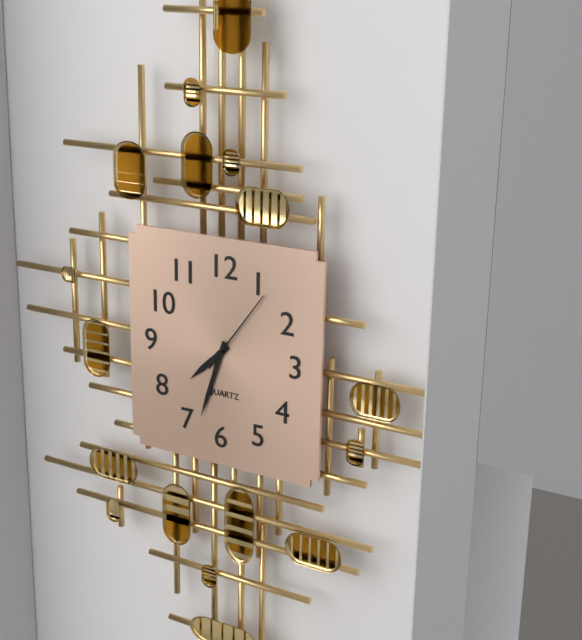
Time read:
7h33m06s
